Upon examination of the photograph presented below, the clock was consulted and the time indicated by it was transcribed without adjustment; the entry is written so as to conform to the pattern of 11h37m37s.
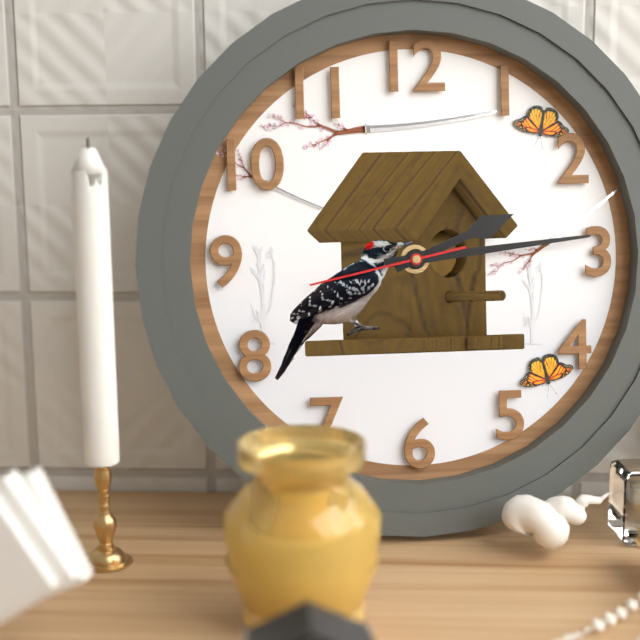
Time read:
2h14m43s
